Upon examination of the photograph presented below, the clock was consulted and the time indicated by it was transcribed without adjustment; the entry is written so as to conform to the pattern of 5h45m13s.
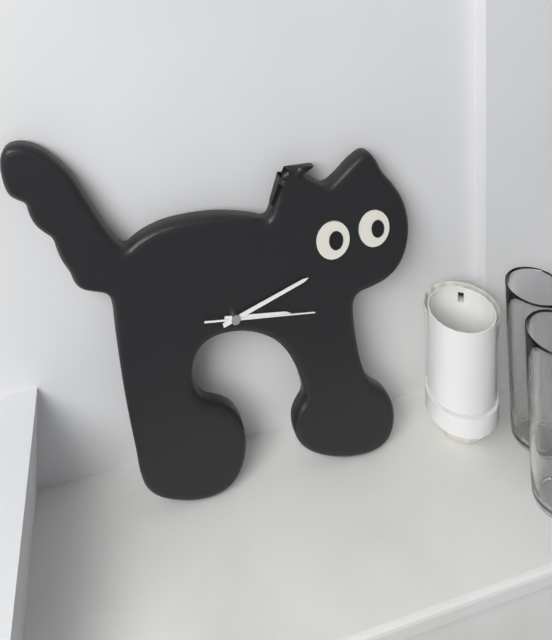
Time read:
3h12m16s
